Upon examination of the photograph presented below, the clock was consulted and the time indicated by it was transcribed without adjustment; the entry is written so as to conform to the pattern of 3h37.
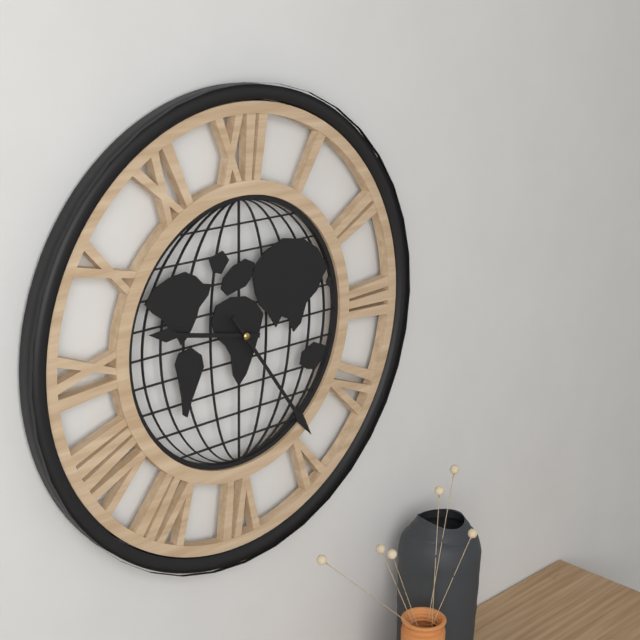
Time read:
9h24
